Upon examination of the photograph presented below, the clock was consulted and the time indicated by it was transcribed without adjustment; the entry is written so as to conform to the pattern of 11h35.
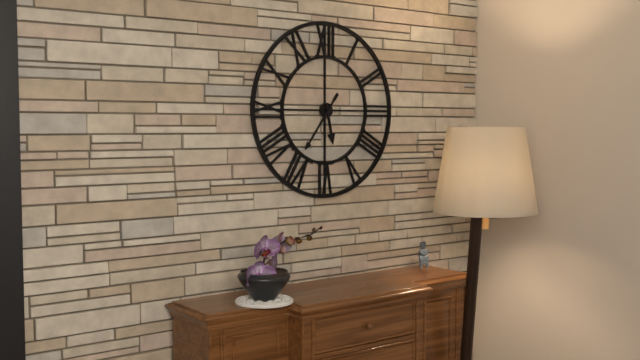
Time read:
5h36
